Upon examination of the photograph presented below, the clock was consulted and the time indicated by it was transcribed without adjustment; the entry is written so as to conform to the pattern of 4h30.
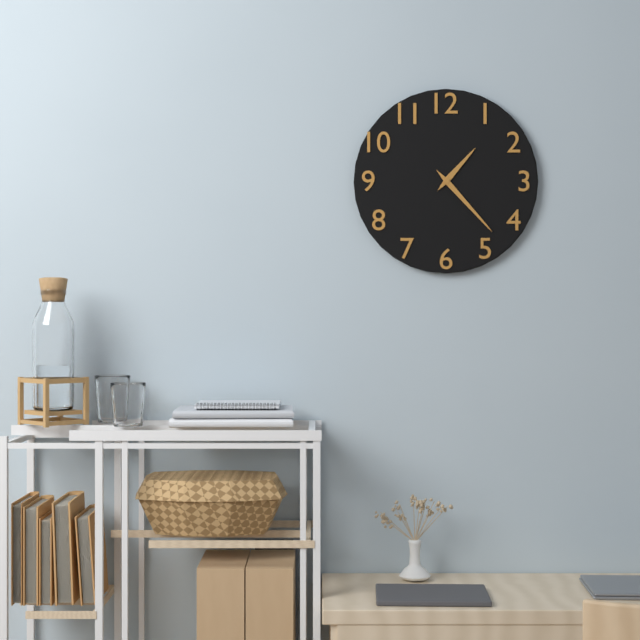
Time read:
1h23
